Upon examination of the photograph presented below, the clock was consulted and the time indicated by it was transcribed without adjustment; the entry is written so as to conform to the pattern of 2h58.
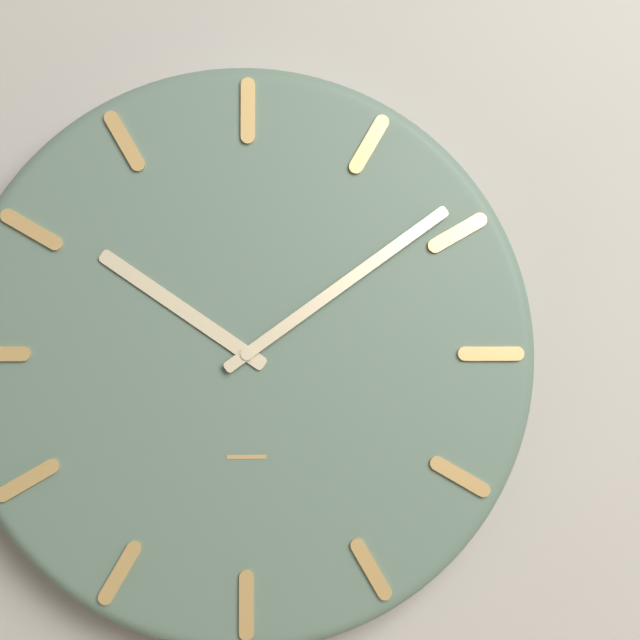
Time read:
10h09
